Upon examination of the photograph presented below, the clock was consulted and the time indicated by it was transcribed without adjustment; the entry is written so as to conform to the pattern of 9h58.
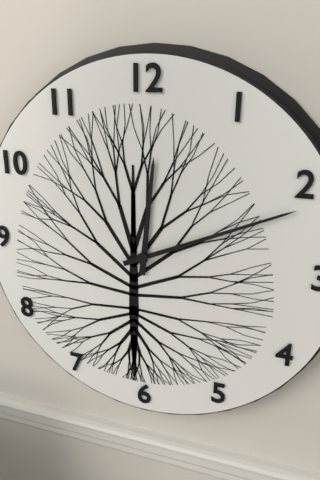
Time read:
12h11
